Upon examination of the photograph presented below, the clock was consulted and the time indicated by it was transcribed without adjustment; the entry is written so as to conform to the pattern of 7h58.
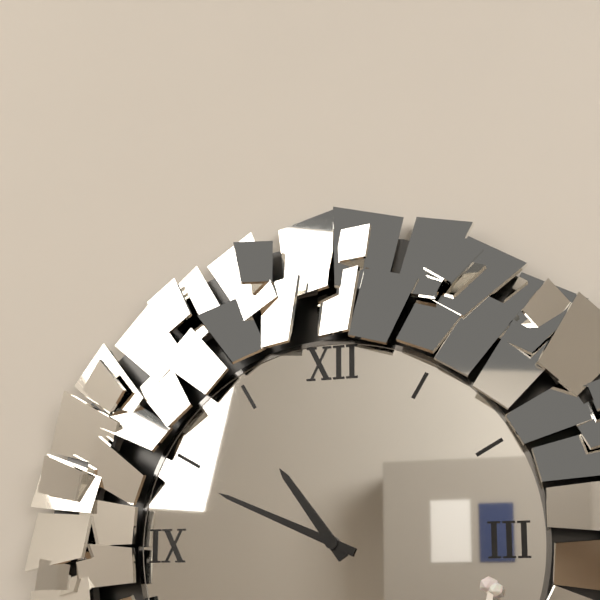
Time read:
10h49
